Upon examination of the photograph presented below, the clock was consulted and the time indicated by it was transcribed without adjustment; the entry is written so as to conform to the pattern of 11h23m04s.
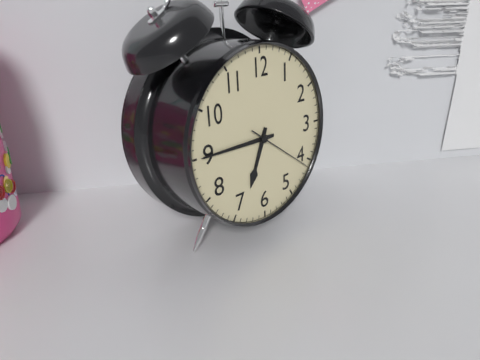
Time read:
6h45m21s
